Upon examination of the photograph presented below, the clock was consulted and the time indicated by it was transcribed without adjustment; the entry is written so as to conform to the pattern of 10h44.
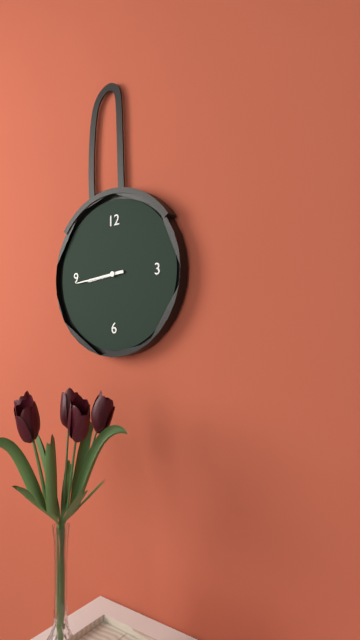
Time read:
8h44
